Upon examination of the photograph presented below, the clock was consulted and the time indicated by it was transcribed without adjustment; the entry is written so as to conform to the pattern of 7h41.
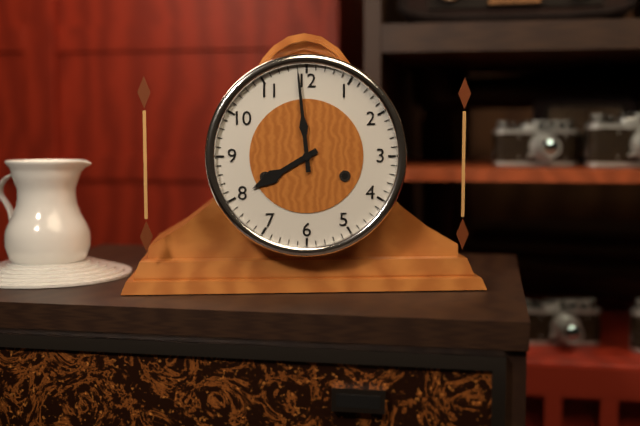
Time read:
7h59
